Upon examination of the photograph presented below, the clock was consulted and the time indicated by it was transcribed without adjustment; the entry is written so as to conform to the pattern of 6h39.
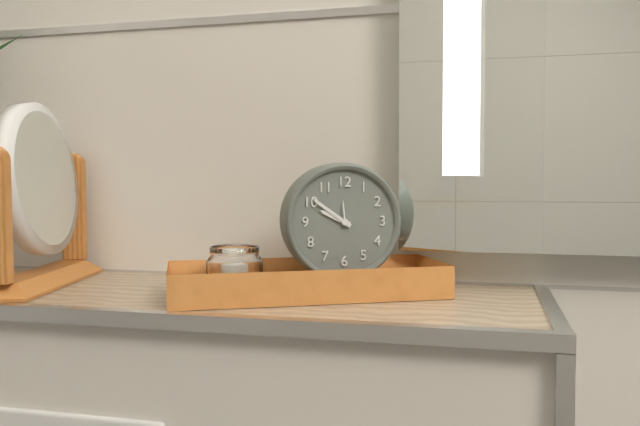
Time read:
9h51
